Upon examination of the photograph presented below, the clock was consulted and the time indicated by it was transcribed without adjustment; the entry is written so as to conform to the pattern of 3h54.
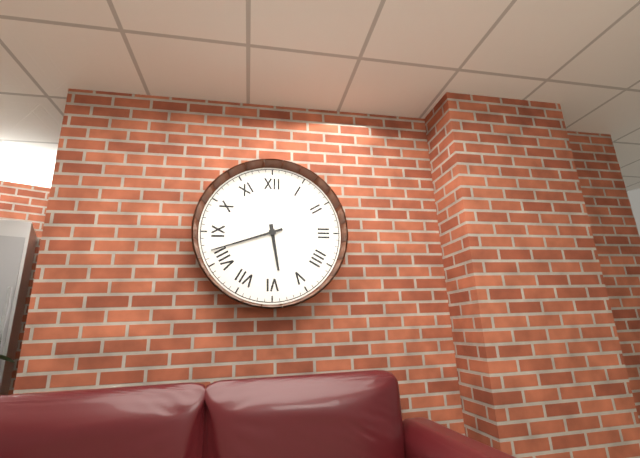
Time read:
5h42
